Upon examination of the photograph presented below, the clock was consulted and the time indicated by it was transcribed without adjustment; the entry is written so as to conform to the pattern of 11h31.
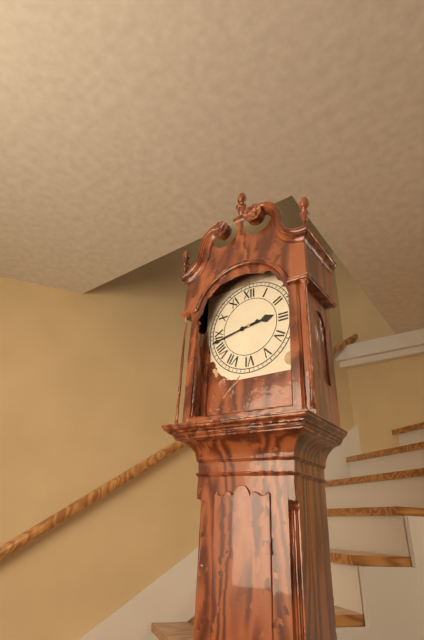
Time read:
2h43
